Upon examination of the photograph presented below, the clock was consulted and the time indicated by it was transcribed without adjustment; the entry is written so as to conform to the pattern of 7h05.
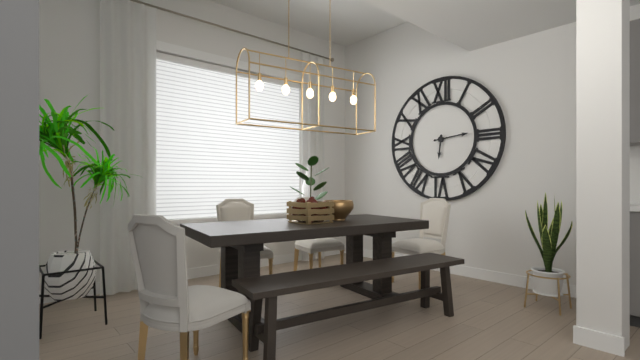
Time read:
6h14
